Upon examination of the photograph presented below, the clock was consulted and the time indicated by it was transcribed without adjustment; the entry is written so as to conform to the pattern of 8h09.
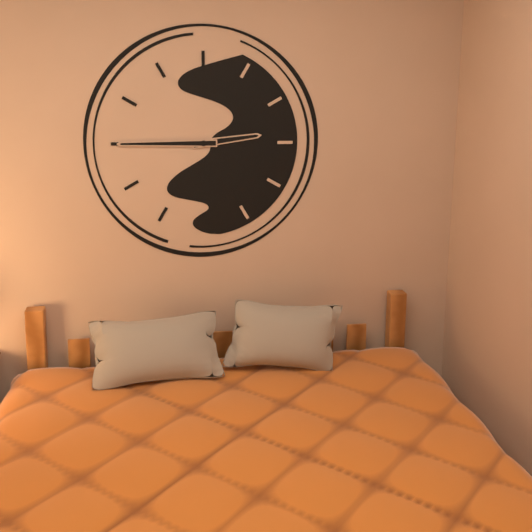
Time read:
2h45
